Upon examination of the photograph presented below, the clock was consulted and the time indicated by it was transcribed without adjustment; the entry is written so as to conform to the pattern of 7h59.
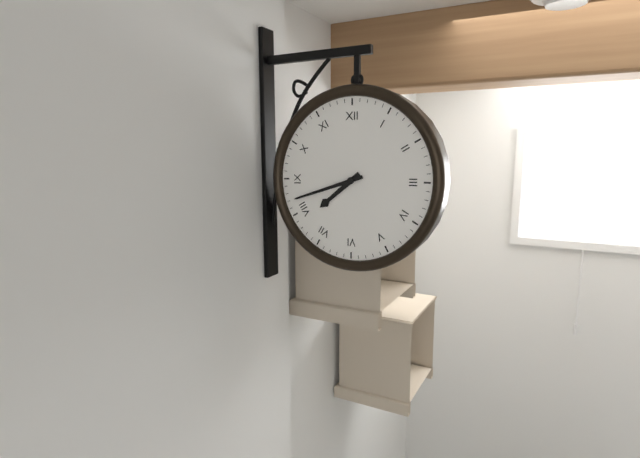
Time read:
7h42
